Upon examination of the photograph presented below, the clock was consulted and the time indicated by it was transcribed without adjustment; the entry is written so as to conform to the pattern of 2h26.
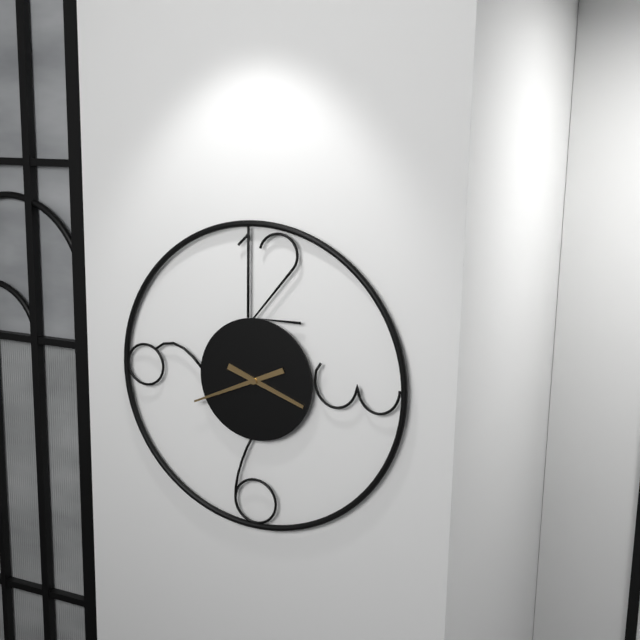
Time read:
3h41
